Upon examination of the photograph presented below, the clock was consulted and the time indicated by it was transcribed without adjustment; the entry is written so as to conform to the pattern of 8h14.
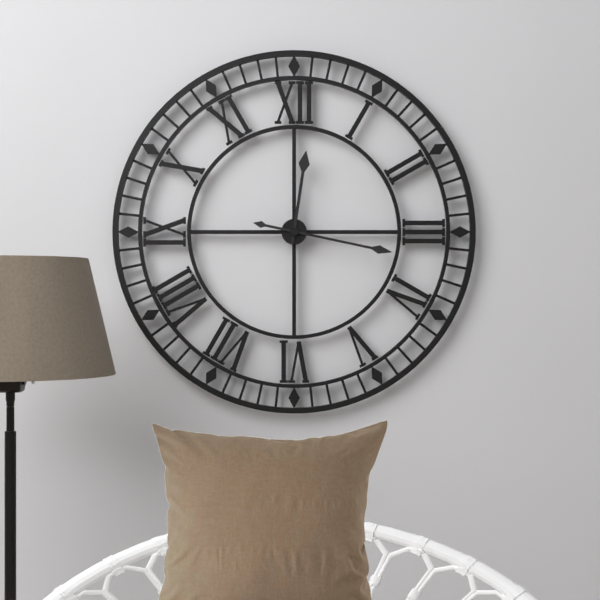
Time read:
12h17
